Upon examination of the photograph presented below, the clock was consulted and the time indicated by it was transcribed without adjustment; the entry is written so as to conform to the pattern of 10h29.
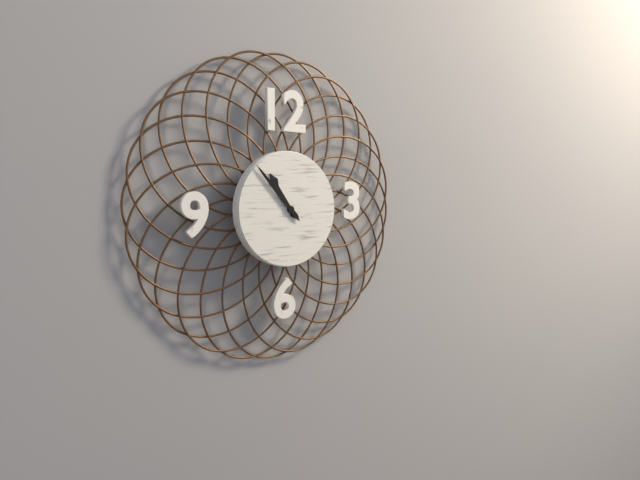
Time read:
10h53
